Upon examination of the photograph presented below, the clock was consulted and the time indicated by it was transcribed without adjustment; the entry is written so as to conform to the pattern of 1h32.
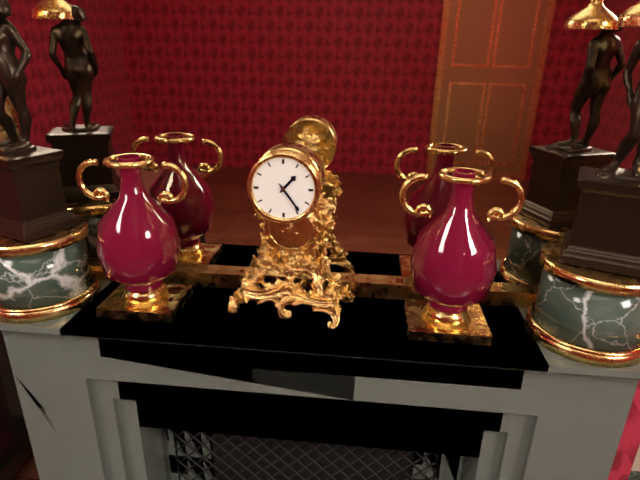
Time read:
1h24
